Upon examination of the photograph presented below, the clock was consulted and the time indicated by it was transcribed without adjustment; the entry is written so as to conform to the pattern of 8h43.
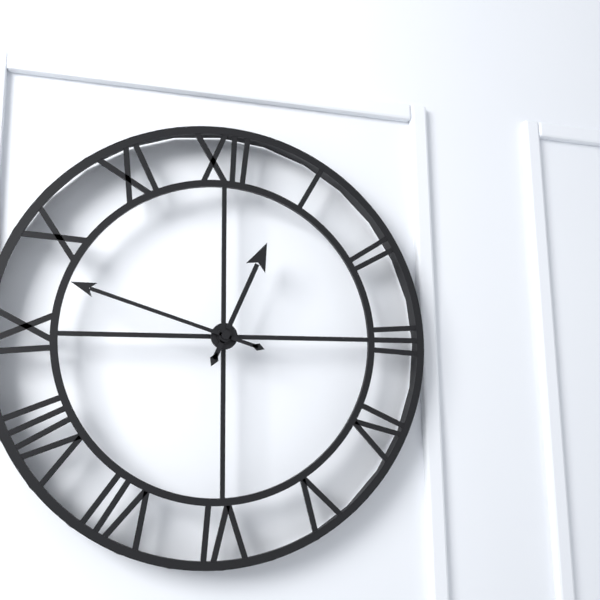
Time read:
12h48
